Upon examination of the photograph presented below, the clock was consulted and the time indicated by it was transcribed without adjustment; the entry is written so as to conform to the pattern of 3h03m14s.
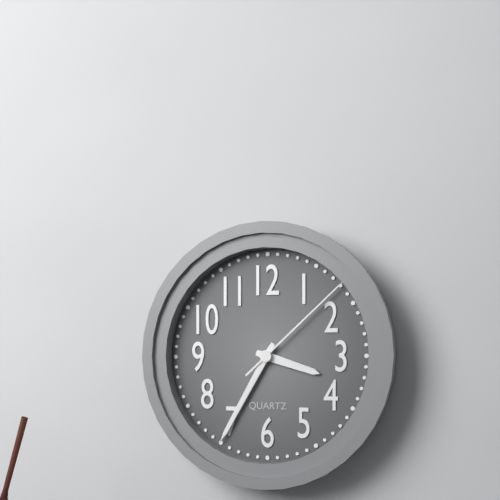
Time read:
3h35m08s
